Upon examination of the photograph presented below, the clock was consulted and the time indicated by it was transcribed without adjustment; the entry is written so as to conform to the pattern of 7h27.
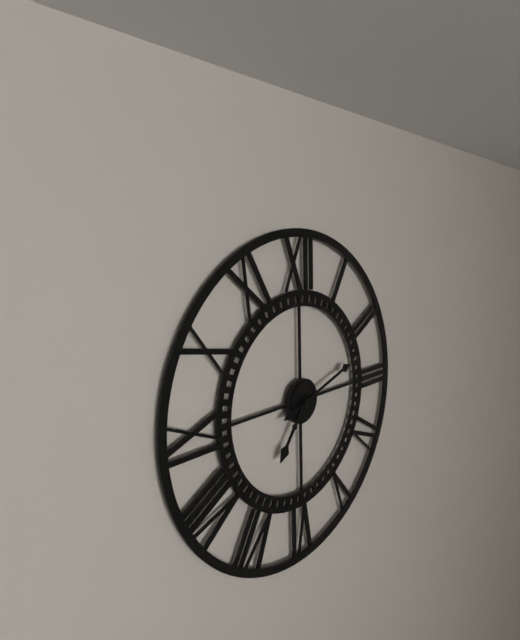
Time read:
7h12
